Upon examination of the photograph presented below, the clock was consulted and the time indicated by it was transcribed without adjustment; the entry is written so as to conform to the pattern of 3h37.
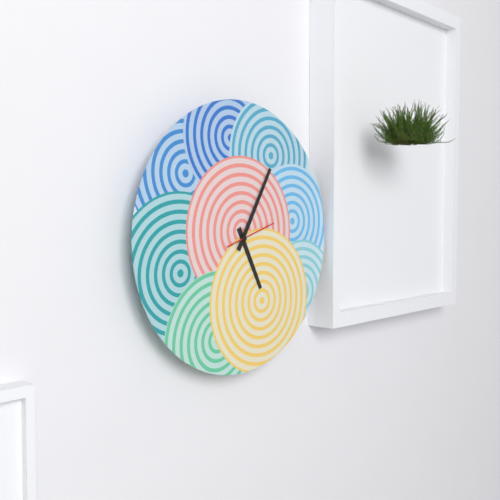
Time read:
5h05
